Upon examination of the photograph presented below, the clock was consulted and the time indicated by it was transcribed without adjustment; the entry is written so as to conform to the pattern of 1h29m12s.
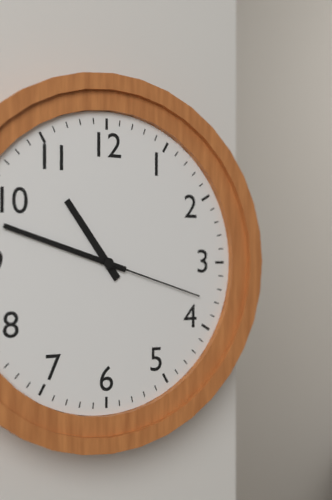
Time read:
10h48m18s
